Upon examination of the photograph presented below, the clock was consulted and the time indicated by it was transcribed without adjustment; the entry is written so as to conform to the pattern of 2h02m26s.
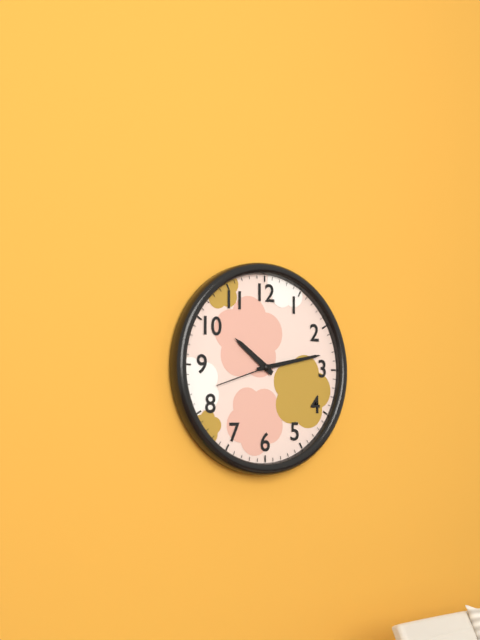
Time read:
10h13m42s
